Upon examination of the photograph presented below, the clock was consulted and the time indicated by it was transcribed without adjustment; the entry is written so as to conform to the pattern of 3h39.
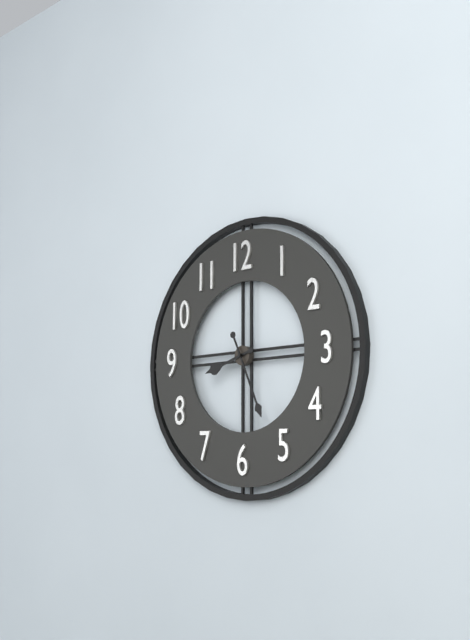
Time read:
8h26
